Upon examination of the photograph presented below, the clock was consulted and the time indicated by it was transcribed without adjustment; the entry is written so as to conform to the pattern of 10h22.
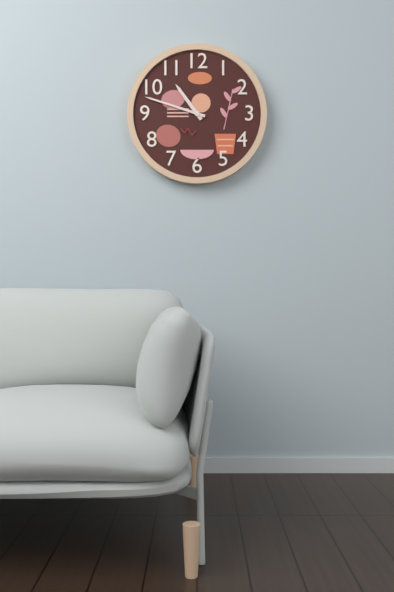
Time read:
10h48
